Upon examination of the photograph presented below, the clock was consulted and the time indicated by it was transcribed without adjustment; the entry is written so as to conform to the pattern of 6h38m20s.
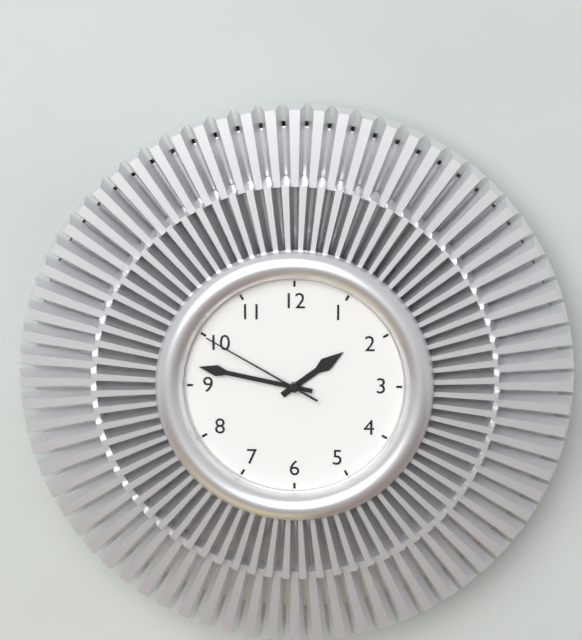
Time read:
1h47m50s
